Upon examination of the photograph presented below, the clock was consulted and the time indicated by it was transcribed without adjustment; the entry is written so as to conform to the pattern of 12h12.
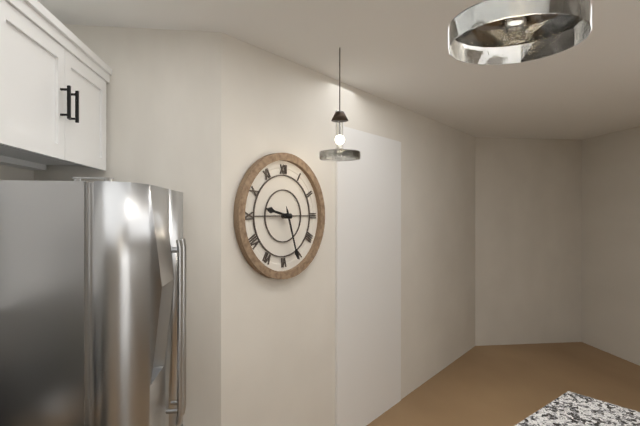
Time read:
9h27
